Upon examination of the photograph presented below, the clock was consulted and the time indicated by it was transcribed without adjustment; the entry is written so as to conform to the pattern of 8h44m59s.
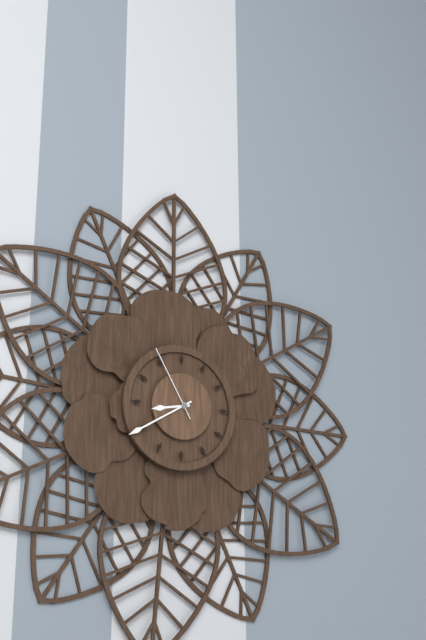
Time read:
8h40m55s
